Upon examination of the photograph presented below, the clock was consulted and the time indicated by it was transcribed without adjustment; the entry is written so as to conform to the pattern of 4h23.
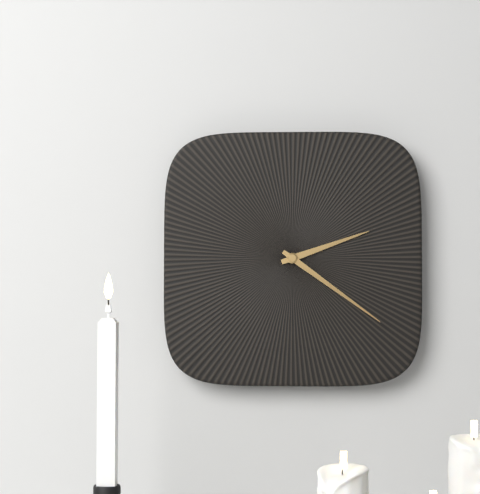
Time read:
2h21
